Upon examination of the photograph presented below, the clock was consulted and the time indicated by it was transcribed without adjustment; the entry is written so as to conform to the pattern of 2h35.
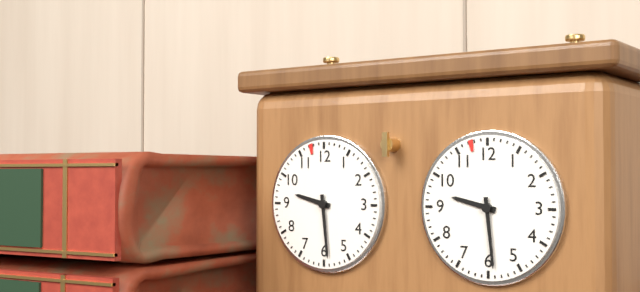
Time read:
9h29
